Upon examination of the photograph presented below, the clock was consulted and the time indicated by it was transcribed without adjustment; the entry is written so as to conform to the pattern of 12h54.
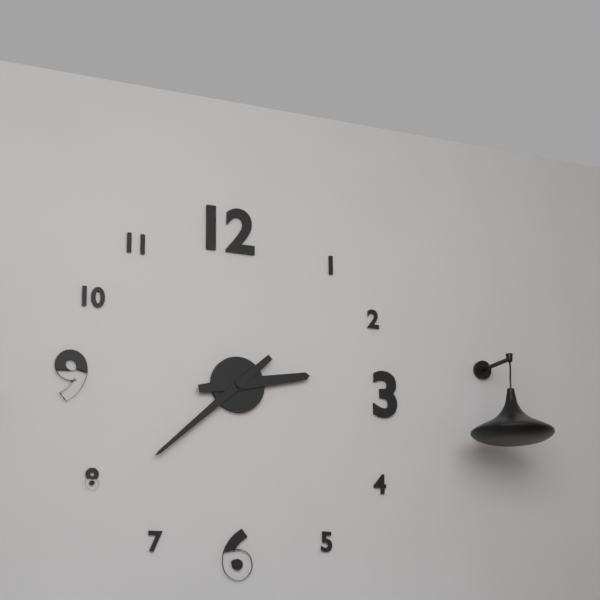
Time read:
2h38
